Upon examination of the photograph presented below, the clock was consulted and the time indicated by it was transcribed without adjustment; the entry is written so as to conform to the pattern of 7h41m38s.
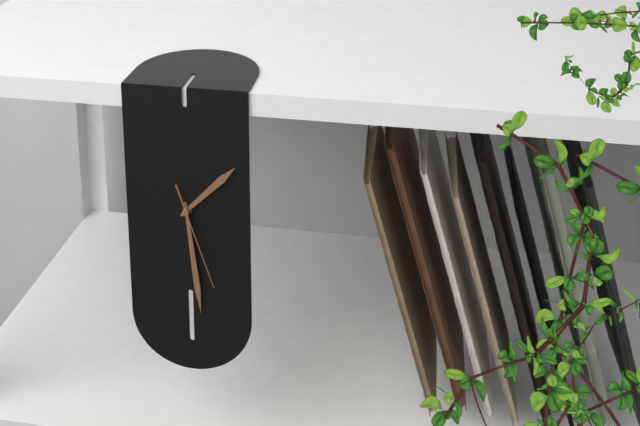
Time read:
1h29m27s
